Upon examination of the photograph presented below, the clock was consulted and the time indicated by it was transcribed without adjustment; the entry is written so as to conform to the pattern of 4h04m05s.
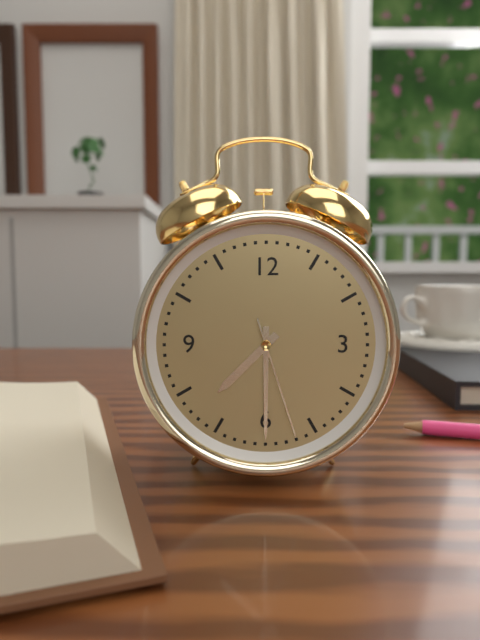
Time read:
7h30m27s
